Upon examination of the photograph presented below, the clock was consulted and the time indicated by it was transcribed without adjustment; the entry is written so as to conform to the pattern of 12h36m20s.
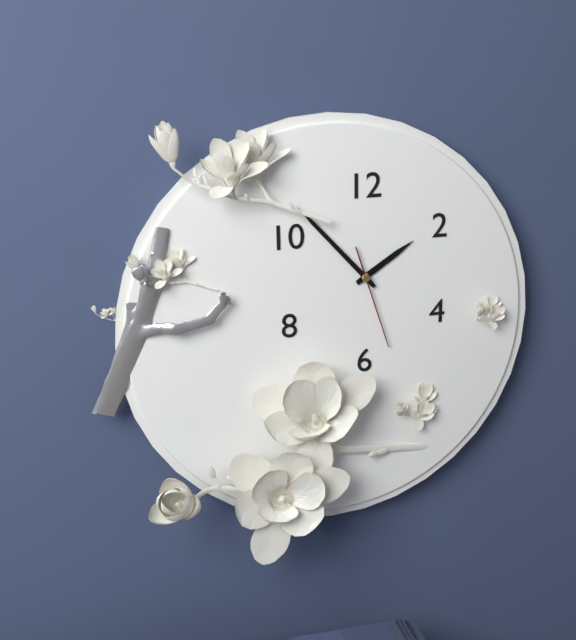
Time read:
1h53m27s
